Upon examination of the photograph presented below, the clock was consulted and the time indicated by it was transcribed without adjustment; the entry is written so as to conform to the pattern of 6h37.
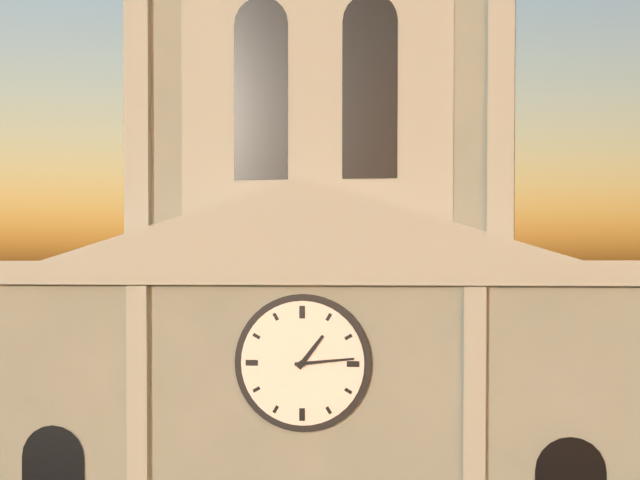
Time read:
1h14
